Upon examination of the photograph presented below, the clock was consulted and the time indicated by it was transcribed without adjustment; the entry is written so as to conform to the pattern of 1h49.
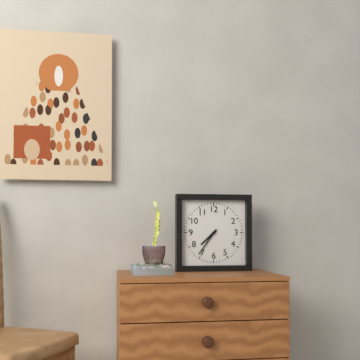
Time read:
7h36
